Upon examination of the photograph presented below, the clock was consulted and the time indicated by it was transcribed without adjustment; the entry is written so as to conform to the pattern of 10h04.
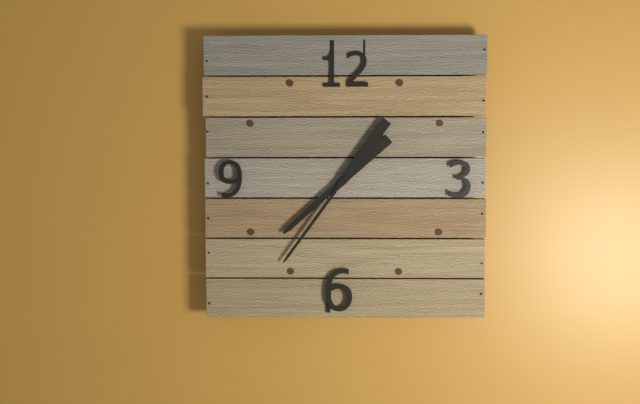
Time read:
7h36
